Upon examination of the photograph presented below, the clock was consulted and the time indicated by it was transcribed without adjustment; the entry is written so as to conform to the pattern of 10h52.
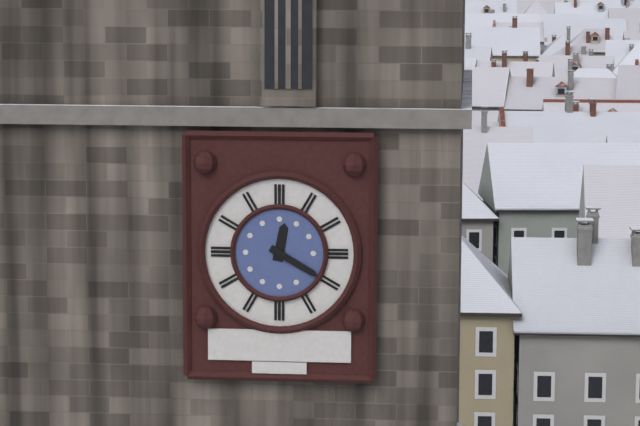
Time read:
12h20
